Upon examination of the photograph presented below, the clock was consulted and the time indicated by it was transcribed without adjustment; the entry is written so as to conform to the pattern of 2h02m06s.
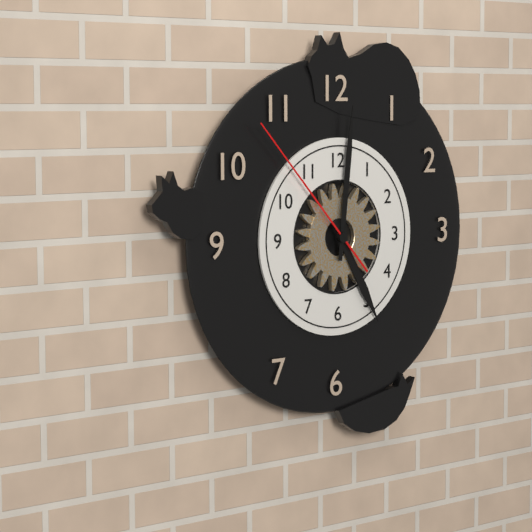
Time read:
5h01m53s
